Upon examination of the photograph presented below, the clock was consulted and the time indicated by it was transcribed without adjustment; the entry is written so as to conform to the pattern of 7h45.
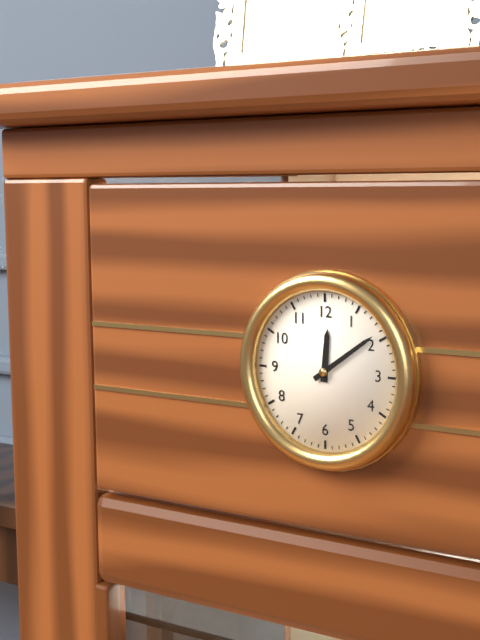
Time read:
12h09
